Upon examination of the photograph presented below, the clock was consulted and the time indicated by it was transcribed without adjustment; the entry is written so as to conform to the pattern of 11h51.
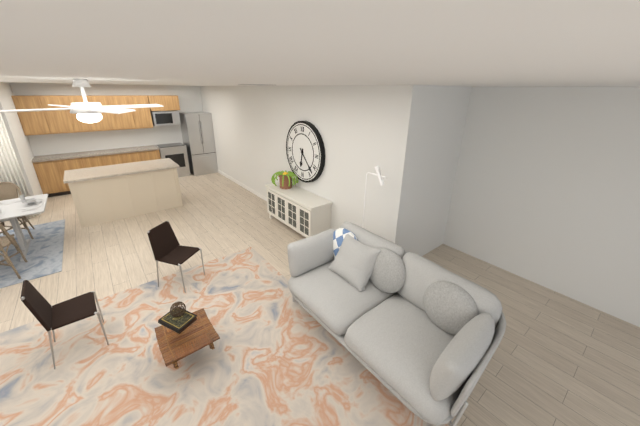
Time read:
6h23
